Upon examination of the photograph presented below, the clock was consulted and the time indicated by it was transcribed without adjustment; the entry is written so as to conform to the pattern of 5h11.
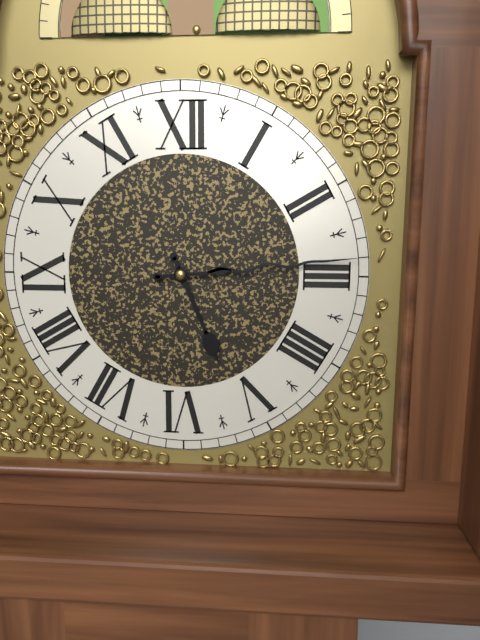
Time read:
5h14
